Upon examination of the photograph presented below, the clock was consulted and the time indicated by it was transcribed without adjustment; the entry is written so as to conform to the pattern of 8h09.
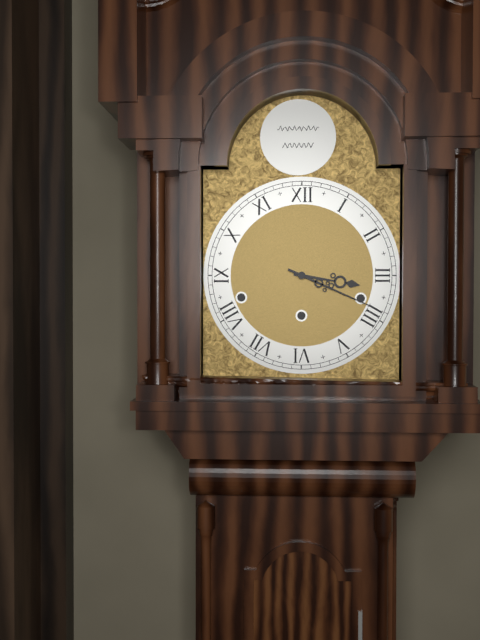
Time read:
3h19
